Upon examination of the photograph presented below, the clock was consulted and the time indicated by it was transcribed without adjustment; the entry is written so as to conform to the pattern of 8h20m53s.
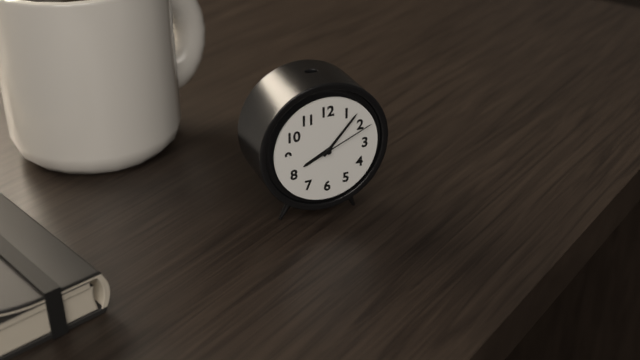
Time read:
8h07m11s
